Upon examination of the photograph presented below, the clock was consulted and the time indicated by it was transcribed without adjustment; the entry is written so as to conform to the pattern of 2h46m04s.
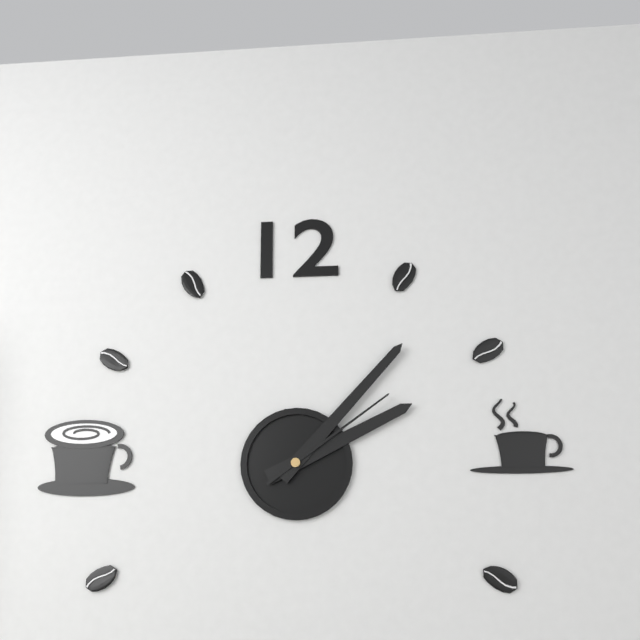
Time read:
2h07m09s
